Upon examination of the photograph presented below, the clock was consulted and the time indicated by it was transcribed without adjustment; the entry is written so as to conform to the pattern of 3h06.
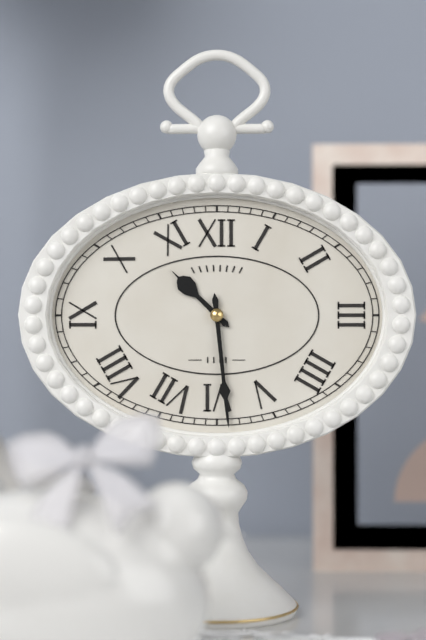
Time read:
10h29
